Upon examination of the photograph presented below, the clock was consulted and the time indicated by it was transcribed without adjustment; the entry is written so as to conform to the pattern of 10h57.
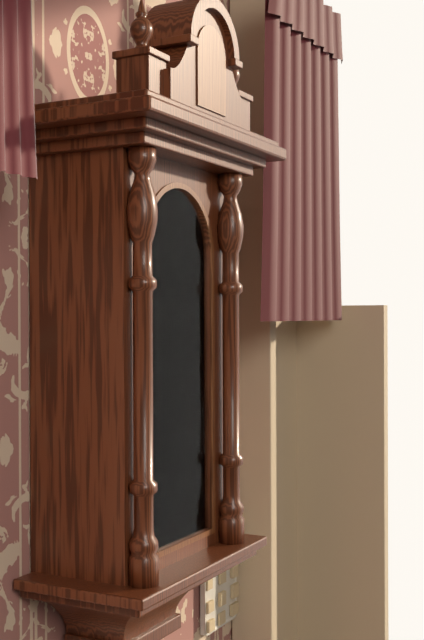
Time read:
4h25
